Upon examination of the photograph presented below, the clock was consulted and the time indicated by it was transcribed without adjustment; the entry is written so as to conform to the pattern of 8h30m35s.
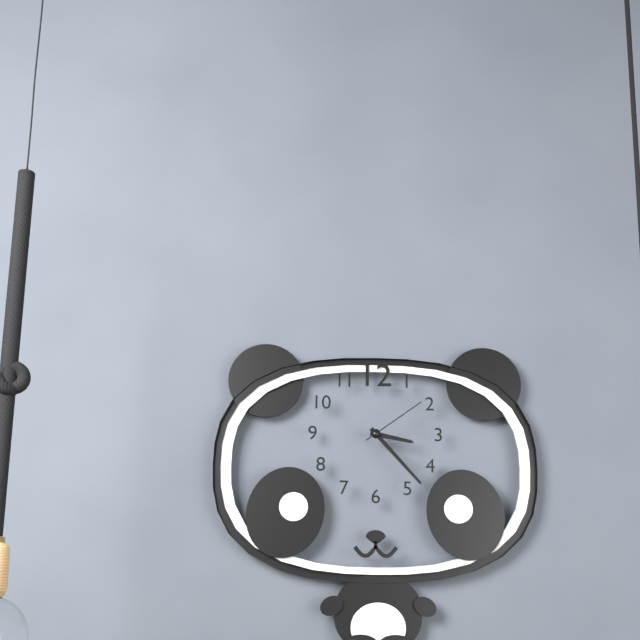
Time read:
3h23m09s
